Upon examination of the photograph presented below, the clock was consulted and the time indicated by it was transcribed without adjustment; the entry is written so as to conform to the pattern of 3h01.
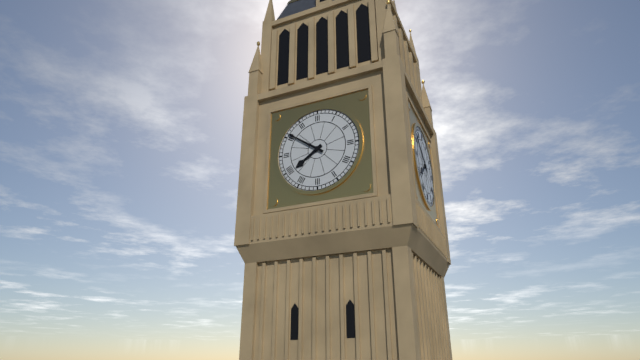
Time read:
7h51
